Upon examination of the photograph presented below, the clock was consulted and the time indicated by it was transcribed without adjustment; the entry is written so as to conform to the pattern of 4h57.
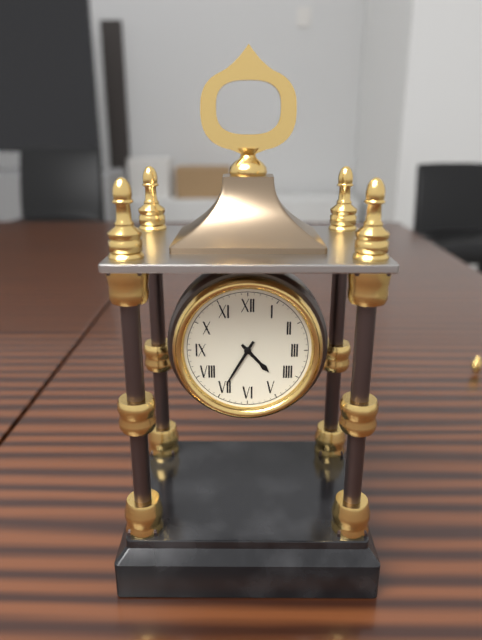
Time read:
4h35
